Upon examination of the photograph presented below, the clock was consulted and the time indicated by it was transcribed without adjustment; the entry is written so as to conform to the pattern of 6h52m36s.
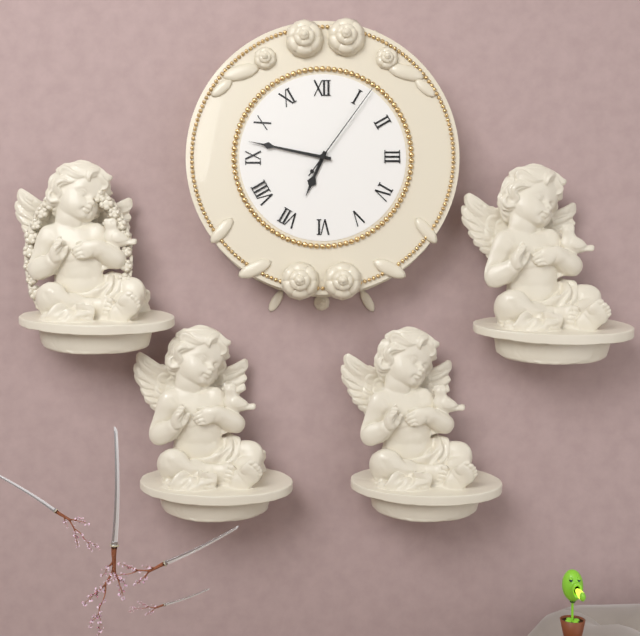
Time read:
6h47m06s
